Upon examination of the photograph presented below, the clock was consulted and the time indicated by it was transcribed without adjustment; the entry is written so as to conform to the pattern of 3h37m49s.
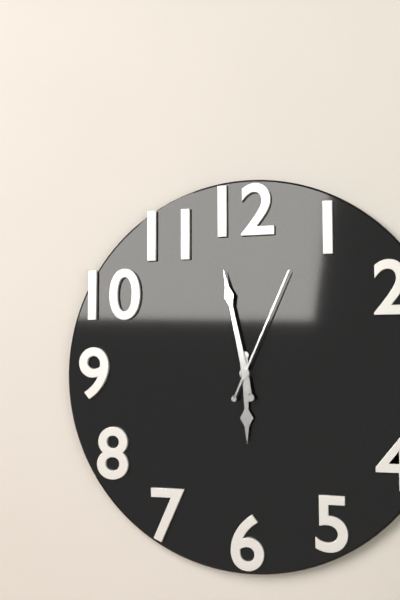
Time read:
5h58m04s
